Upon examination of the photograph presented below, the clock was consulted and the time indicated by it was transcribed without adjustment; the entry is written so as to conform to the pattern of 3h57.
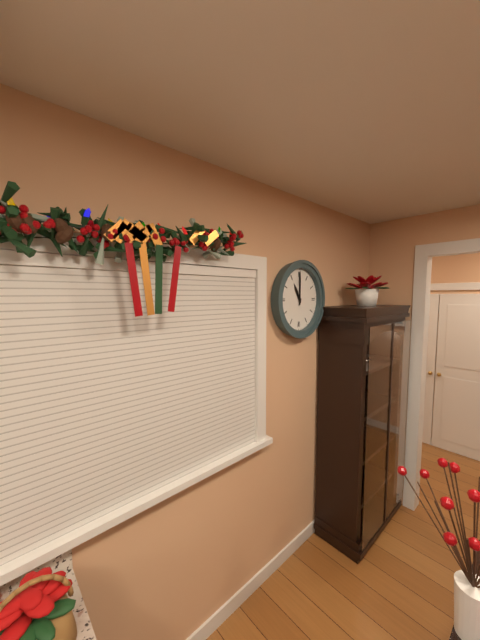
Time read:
11h00
